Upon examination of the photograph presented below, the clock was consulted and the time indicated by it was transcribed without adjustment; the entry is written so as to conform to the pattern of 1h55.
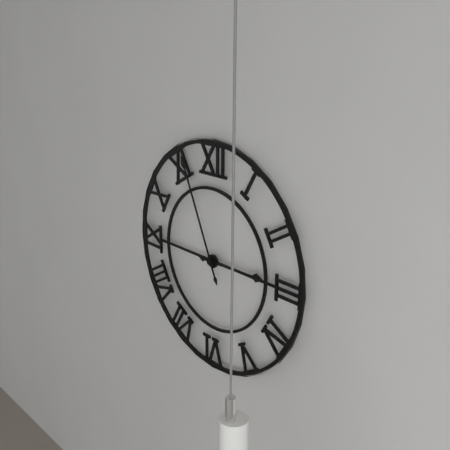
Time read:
2h56
